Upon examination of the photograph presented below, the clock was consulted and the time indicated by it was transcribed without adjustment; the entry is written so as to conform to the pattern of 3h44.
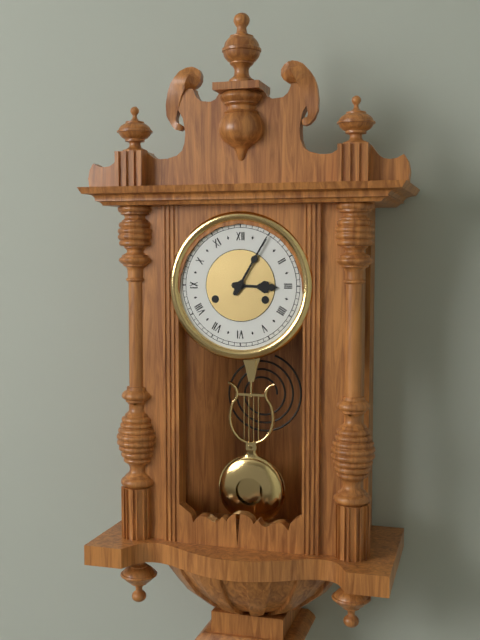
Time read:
3h05
